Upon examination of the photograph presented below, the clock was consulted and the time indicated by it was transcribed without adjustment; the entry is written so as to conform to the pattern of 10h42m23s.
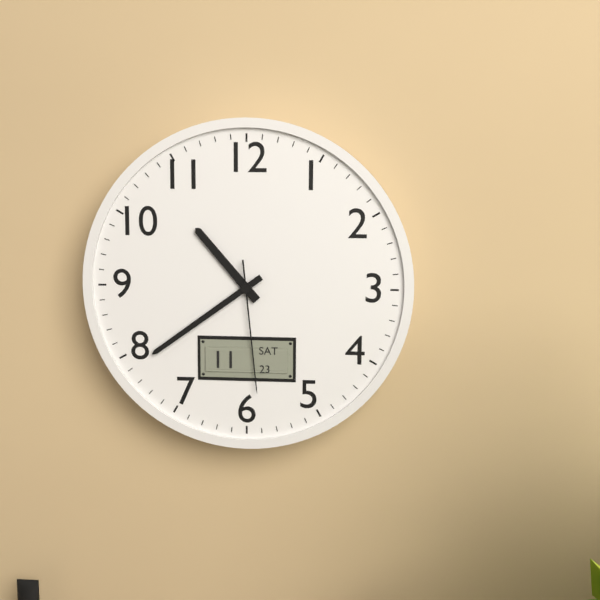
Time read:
10h39m29s
